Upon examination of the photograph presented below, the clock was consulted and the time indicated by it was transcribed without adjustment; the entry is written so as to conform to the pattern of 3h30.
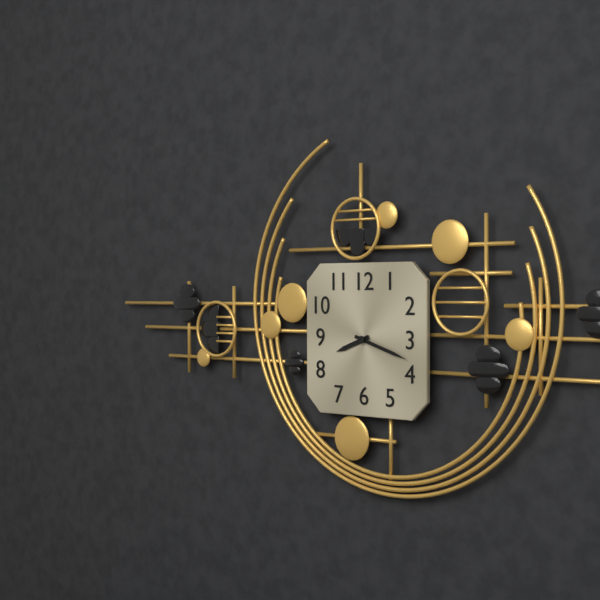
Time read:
8h18
